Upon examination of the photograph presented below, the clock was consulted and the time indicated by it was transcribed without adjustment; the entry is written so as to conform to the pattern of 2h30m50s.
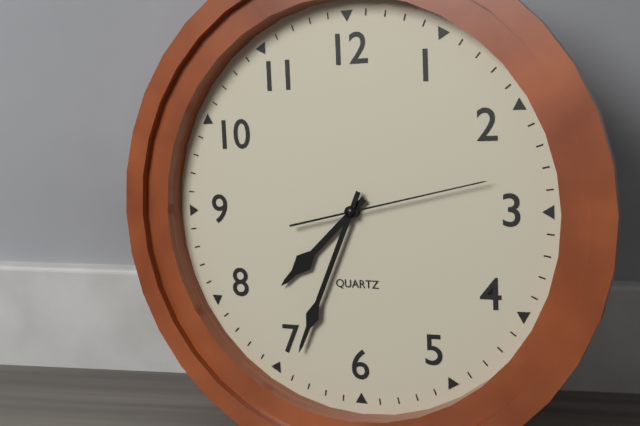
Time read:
7h34m13s
